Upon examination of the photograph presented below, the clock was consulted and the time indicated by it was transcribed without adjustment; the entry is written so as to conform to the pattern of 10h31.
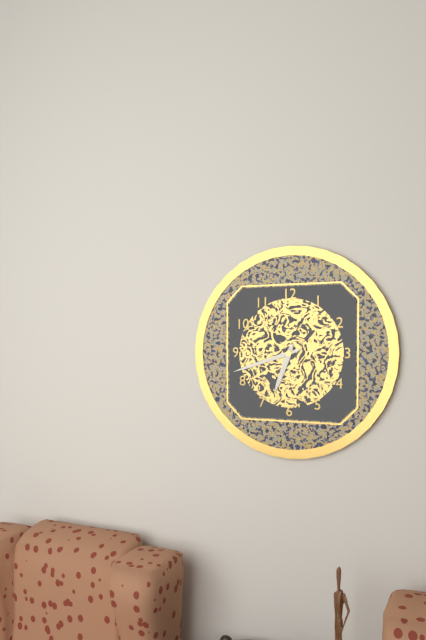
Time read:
6h42
